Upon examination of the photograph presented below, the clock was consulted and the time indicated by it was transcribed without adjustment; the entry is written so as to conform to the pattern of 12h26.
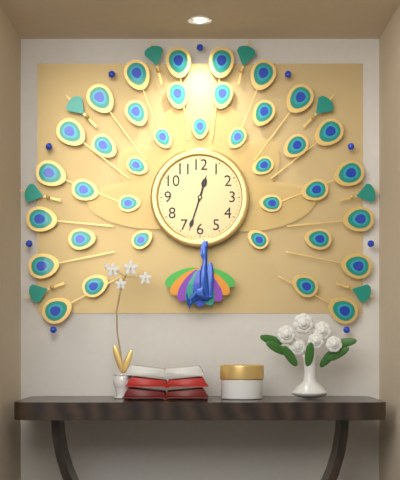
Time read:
12h33
